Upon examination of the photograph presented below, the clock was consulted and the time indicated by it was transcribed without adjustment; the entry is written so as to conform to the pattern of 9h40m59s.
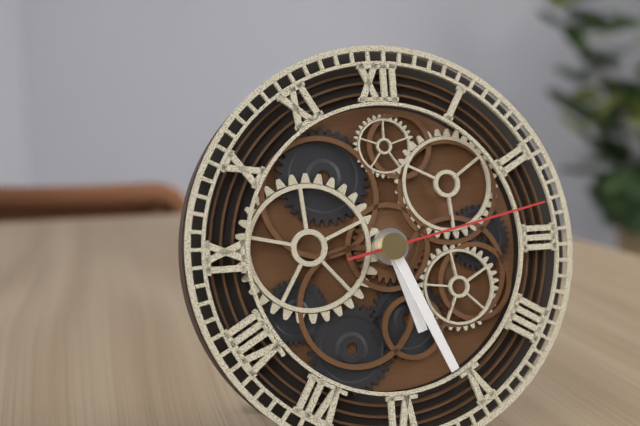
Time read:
5h26m13s
